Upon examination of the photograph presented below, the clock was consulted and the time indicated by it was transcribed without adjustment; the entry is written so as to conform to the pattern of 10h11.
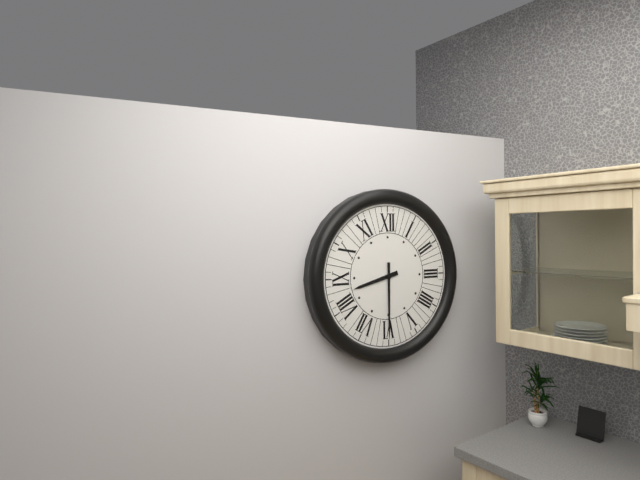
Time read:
8h30
